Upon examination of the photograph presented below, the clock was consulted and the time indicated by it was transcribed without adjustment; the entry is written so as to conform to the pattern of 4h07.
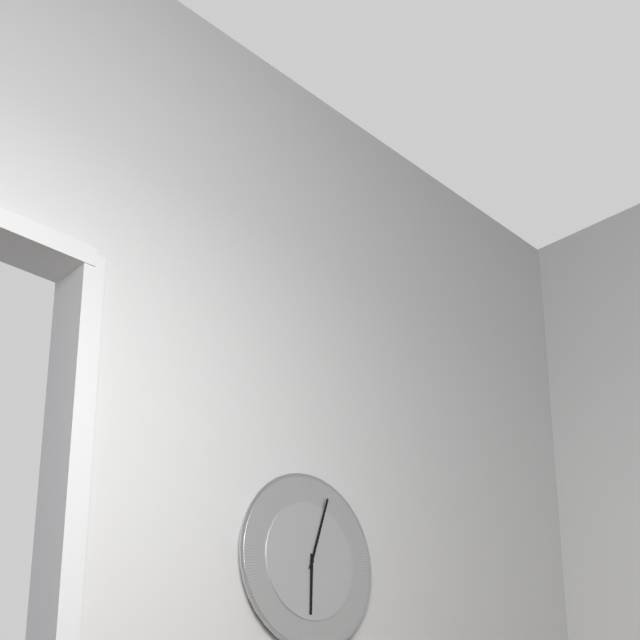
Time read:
6h03
